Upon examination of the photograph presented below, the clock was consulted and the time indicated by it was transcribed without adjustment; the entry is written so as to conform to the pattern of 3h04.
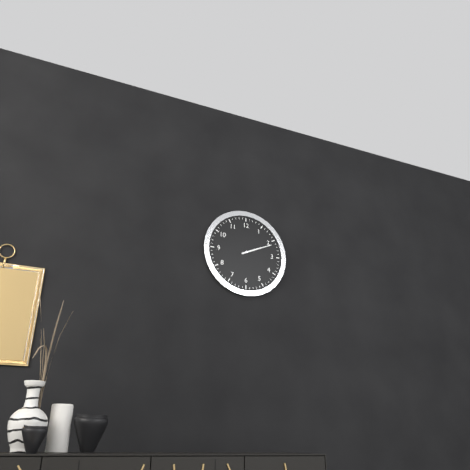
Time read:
2h11
